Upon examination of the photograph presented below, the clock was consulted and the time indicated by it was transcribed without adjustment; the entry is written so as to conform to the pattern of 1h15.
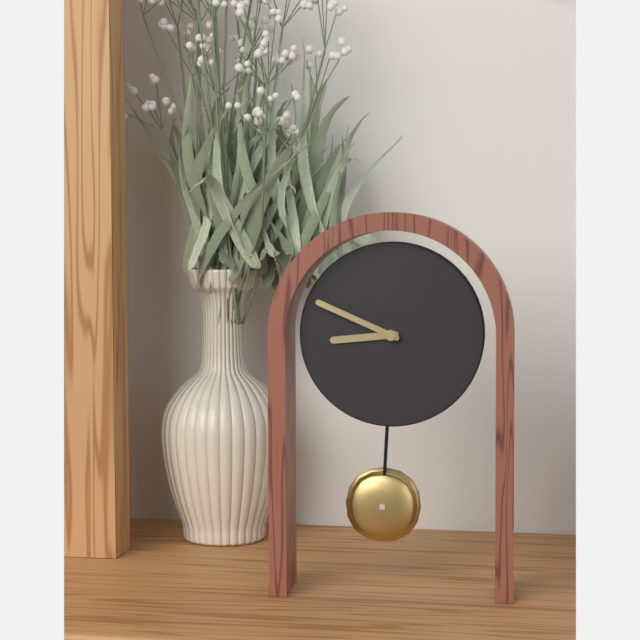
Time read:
8h49
